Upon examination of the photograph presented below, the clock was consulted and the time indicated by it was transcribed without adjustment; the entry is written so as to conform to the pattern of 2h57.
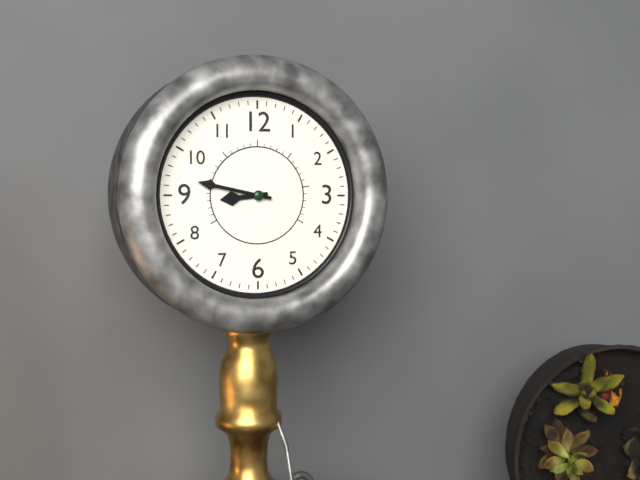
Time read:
8h47
